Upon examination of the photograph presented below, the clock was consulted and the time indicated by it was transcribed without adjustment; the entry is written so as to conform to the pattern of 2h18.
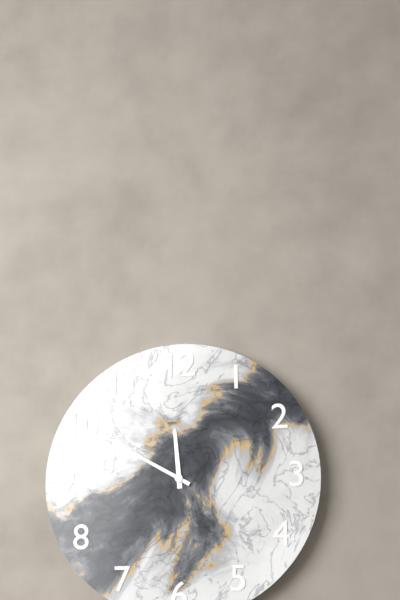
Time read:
11h50
